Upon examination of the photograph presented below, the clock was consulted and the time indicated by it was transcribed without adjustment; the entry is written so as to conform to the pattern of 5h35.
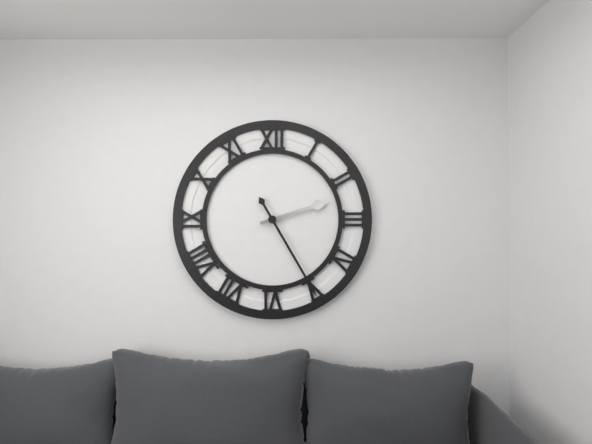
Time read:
2h25
